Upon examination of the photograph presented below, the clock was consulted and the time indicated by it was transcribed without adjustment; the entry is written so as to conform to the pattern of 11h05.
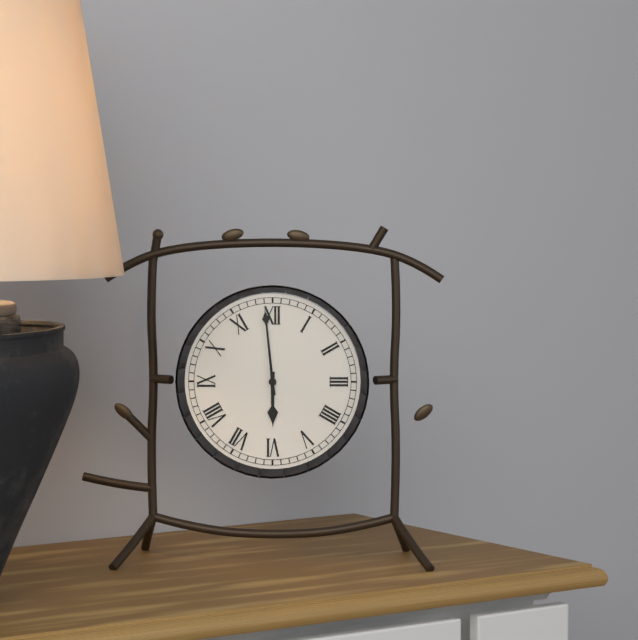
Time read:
5h59
